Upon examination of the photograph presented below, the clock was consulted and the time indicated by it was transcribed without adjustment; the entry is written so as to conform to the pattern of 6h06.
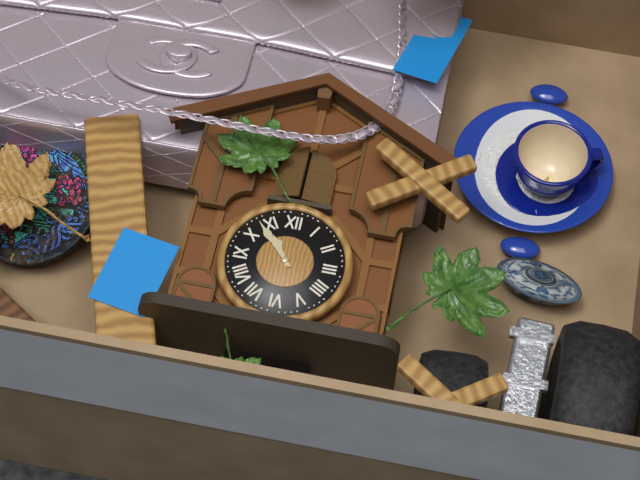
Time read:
10h53
